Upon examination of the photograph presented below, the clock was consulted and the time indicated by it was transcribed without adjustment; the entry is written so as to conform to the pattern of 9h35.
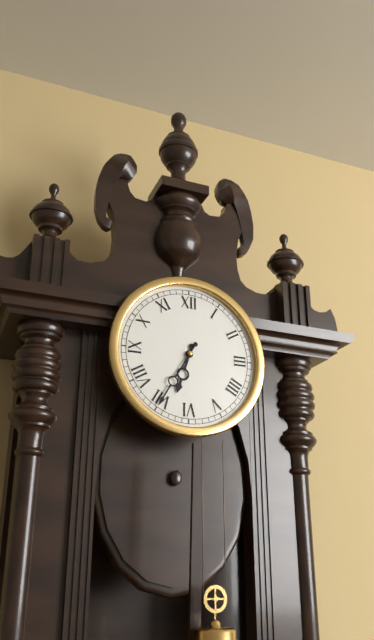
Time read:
6h35
